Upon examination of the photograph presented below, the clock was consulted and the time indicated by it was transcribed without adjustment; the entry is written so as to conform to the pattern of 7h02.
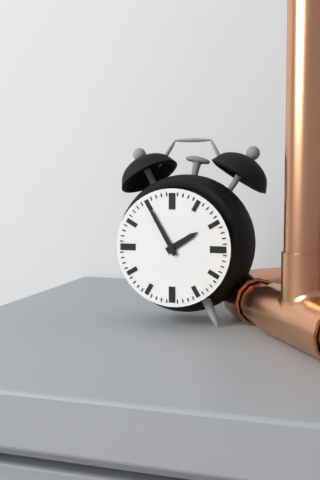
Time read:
1h55
